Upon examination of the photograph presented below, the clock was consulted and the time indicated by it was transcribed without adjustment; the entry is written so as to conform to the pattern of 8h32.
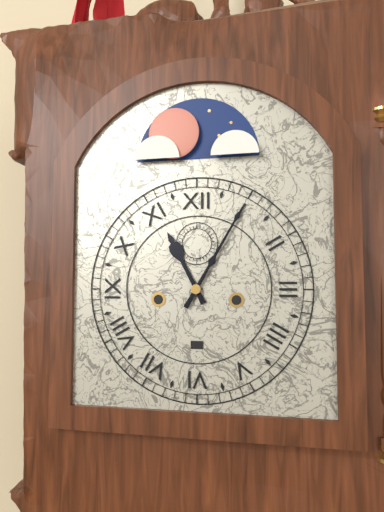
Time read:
11h05
